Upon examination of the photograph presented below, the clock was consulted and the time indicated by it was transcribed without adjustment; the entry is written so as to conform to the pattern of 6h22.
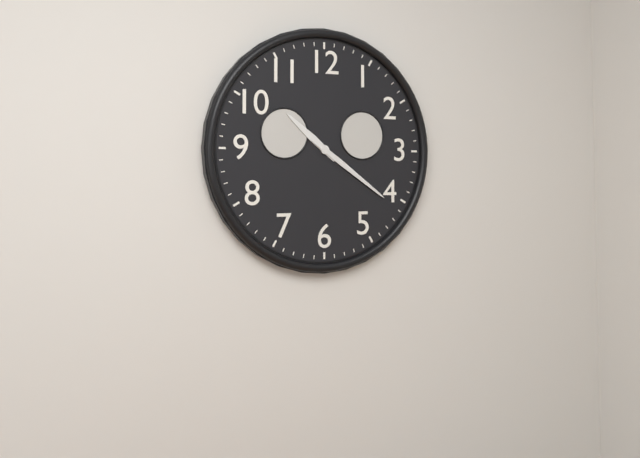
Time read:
10h21
